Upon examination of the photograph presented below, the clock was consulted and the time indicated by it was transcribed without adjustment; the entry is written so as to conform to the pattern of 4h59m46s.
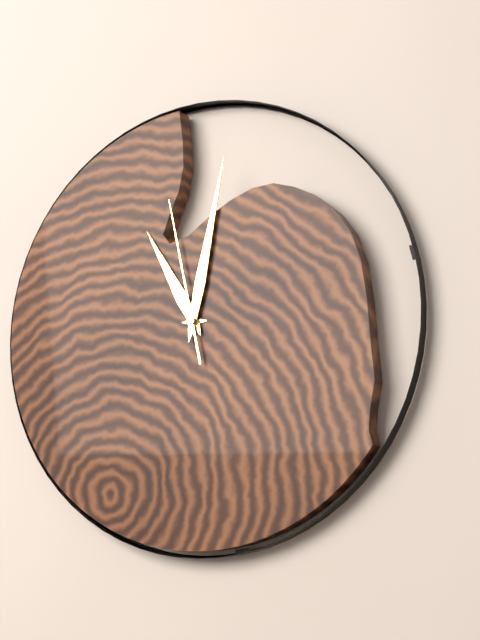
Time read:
11h02m58s
